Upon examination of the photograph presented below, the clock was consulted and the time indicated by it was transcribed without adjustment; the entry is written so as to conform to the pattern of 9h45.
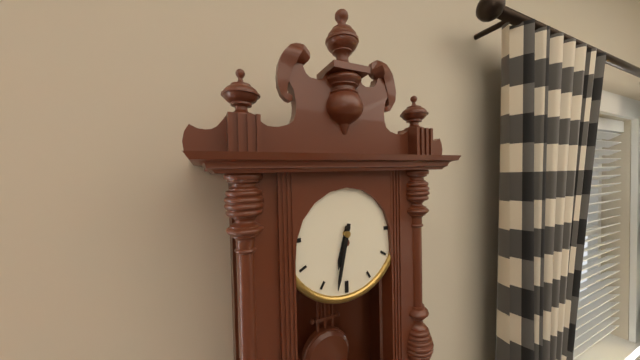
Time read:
6h32
